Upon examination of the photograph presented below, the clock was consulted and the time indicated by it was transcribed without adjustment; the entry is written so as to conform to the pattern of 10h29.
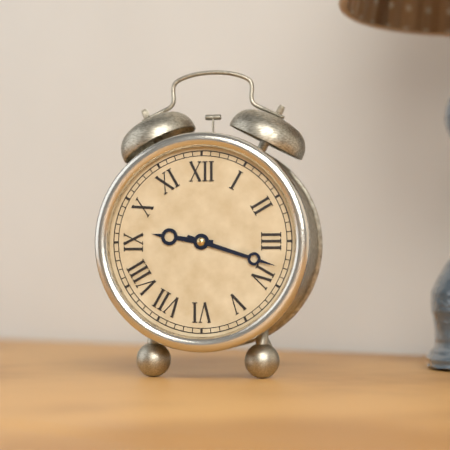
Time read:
9h18
